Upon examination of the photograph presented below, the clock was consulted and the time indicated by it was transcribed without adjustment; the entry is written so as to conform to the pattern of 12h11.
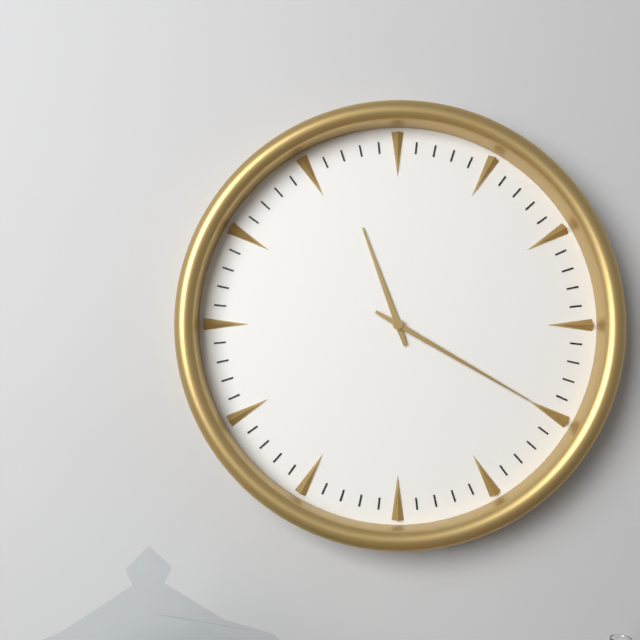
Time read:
11h20
